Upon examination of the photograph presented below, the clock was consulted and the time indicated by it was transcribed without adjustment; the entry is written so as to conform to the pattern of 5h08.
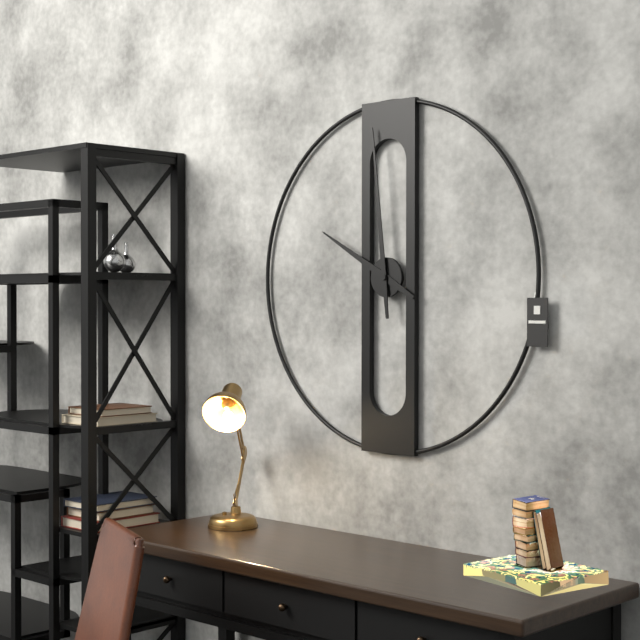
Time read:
9h59
